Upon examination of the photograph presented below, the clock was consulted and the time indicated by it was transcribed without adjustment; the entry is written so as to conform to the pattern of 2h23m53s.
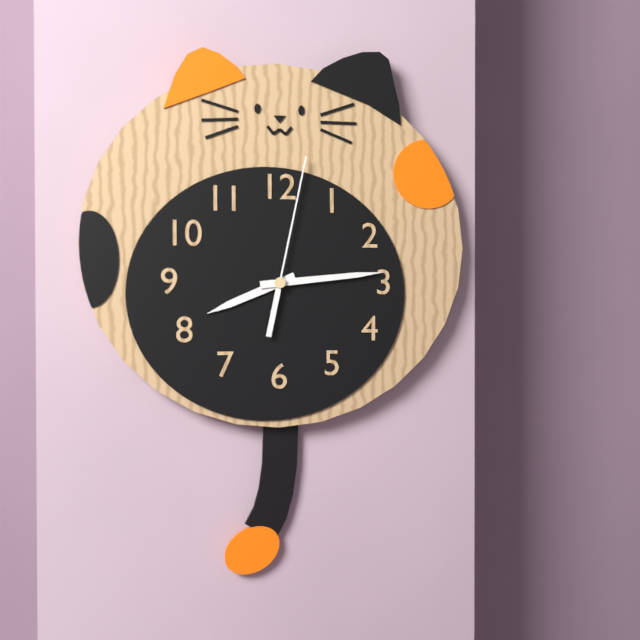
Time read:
8h14m02s
